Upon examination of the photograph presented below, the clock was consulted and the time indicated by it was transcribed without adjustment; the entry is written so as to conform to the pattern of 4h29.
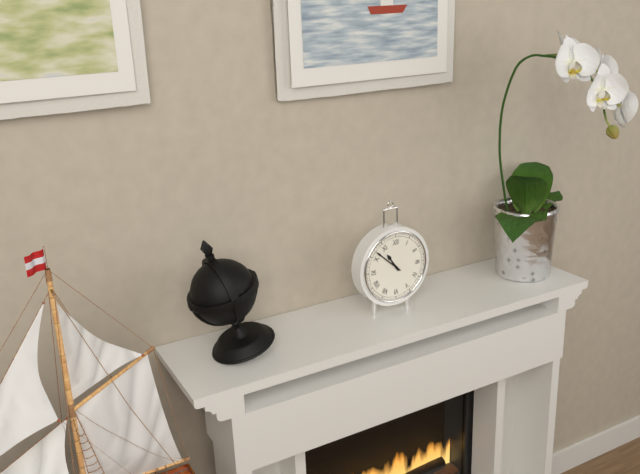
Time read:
10h52
